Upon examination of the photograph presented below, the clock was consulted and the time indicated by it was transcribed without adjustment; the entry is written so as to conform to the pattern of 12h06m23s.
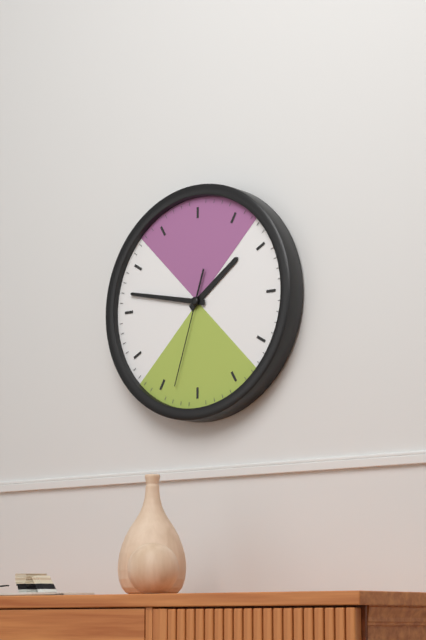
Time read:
1h47m33s
